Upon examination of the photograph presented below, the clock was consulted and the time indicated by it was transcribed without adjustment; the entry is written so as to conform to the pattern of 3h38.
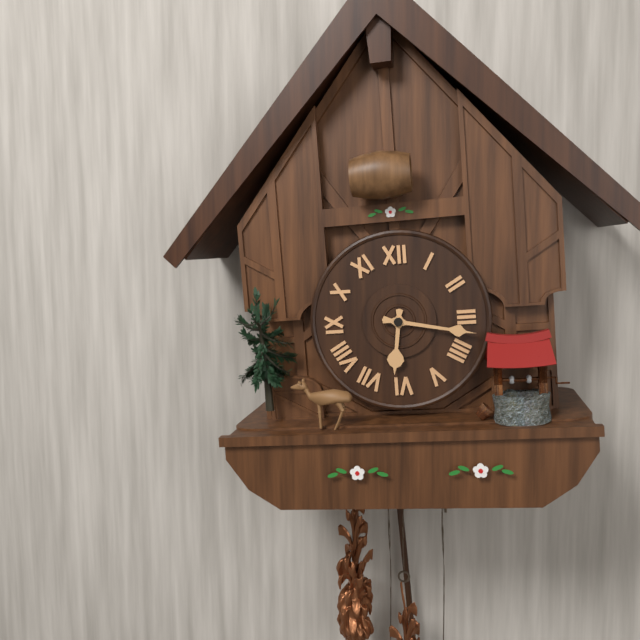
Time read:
6h17
